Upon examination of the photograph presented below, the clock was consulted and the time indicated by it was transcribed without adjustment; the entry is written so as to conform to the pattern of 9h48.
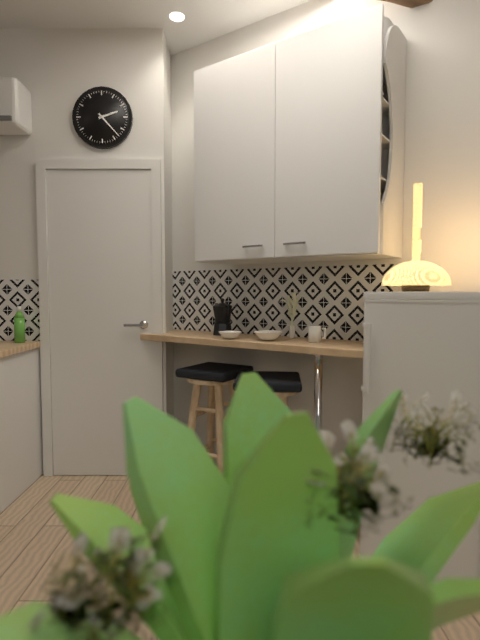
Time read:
2h23
